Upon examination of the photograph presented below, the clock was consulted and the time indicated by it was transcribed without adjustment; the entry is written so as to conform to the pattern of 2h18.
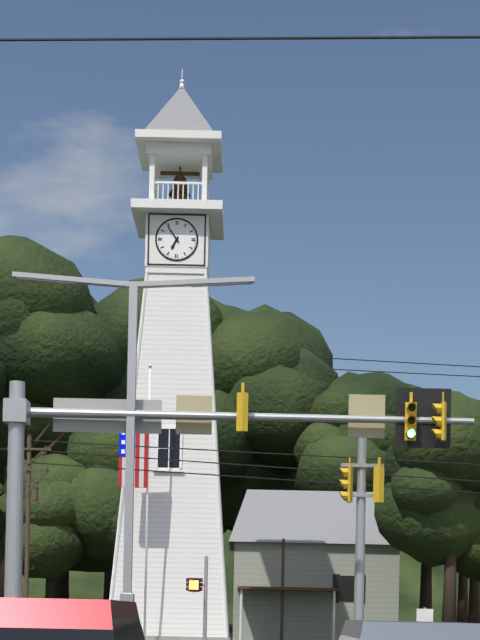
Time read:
6h54
